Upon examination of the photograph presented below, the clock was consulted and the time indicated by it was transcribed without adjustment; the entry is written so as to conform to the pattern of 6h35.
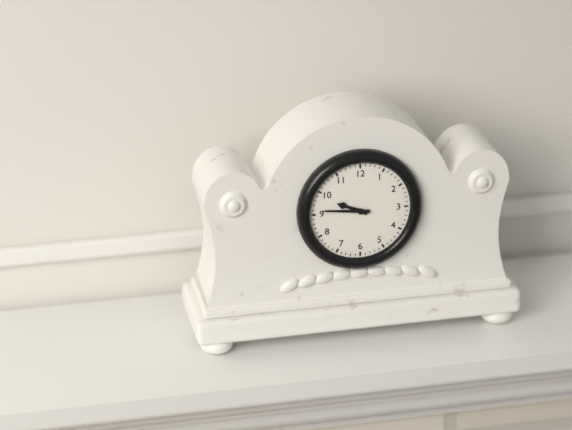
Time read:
9h46
